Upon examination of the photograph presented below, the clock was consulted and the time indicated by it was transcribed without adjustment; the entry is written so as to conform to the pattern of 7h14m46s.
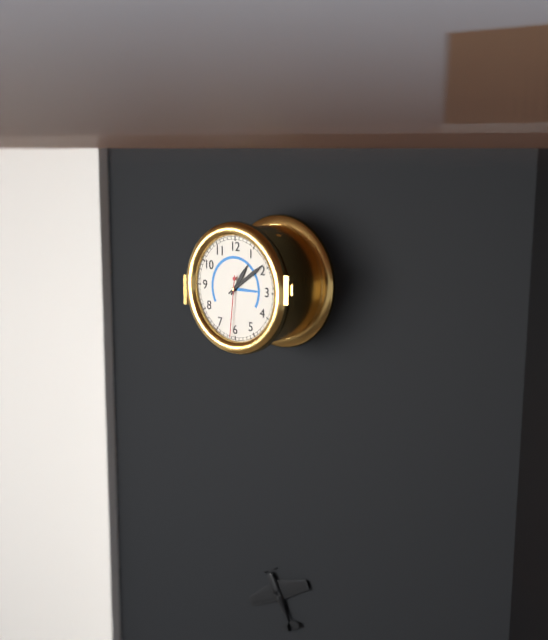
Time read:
1h09m31s
